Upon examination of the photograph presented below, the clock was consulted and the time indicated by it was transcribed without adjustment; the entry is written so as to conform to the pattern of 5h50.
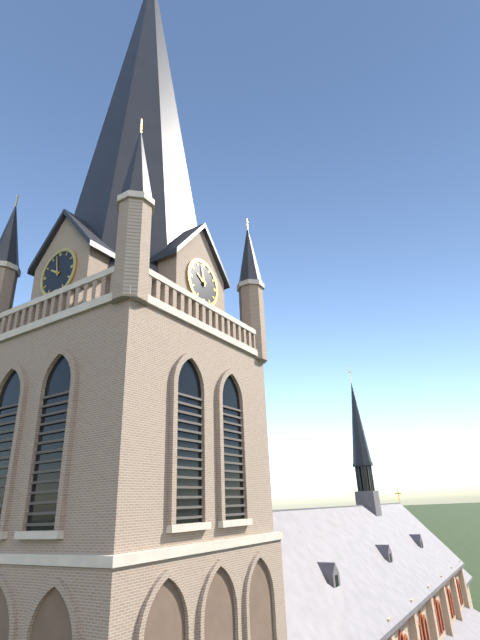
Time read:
9h58
